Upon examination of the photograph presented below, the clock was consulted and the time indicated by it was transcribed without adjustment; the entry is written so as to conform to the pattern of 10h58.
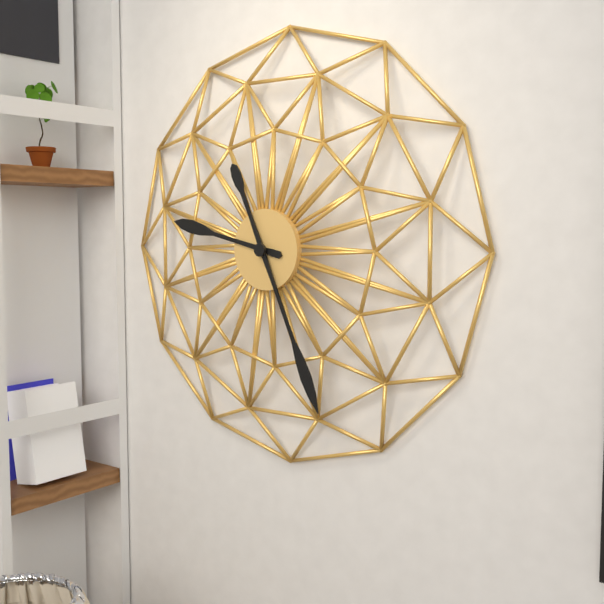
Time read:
9h26
